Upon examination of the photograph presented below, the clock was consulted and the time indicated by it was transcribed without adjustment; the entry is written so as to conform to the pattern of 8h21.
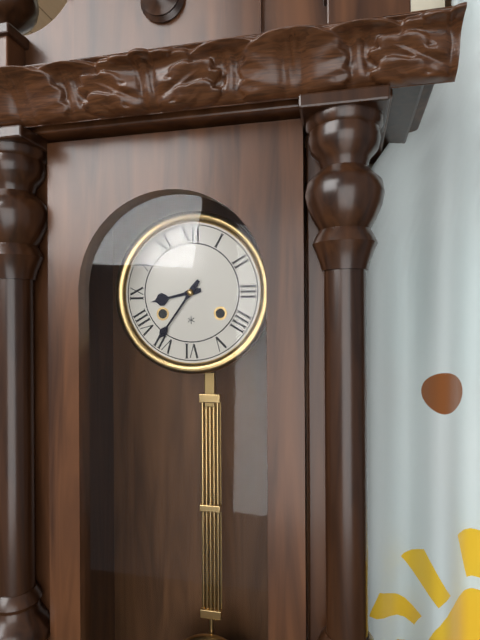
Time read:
8h36
